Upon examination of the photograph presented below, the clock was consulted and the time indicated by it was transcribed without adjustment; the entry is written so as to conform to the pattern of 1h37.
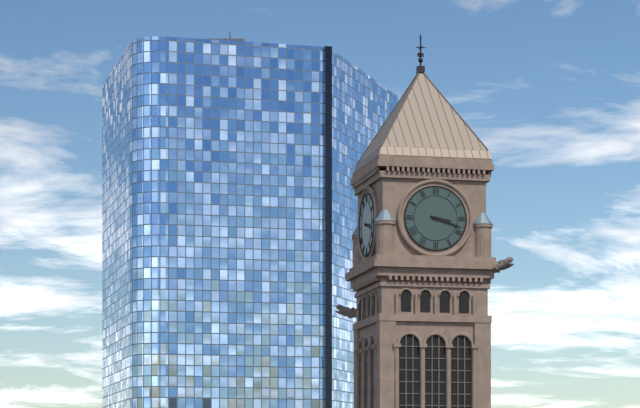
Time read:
3h18
